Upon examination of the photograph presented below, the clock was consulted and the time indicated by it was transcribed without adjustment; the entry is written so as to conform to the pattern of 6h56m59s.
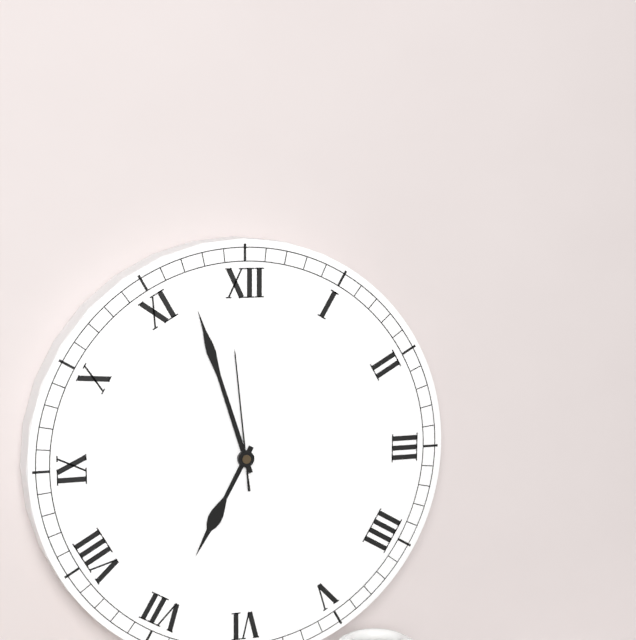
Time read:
6h57m59s
